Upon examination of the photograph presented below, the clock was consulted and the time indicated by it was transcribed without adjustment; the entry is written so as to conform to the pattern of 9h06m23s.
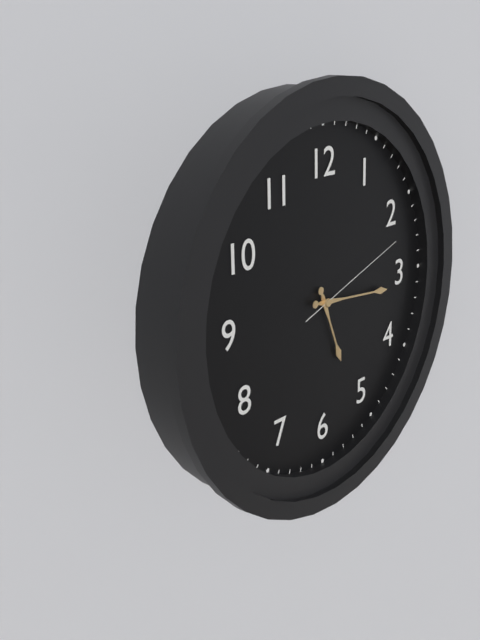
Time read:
5h16m12s
